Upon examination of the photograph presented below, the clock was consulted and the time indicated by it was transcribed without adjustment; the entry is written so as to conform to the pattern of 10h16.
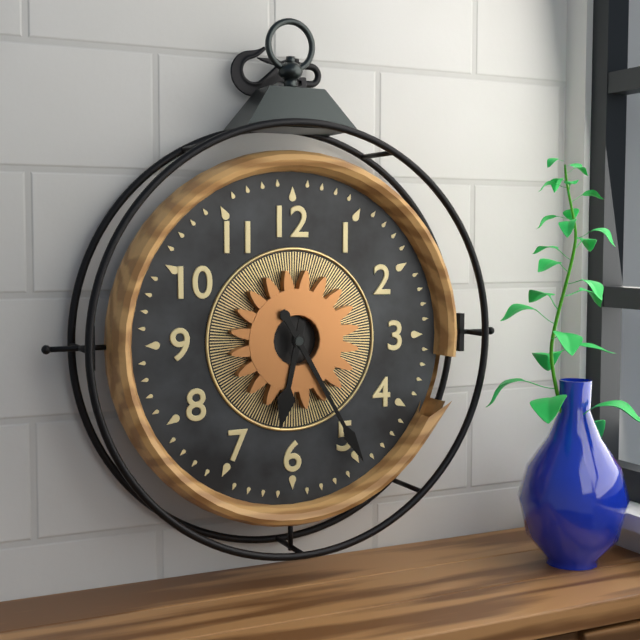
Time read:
6h25
